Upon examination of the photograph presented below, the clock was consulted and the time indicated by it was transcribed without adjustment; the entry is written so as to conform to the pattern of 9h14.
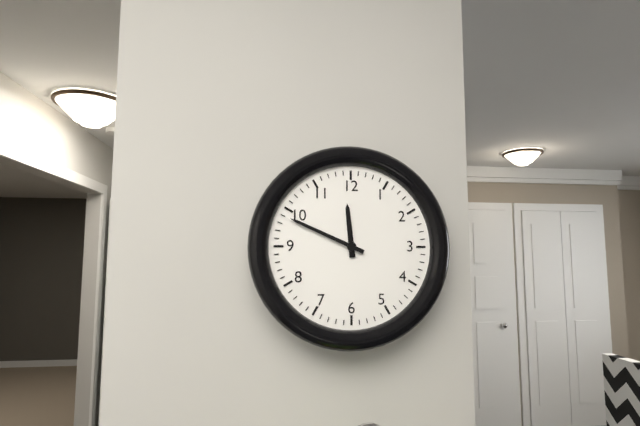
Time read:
11h49
